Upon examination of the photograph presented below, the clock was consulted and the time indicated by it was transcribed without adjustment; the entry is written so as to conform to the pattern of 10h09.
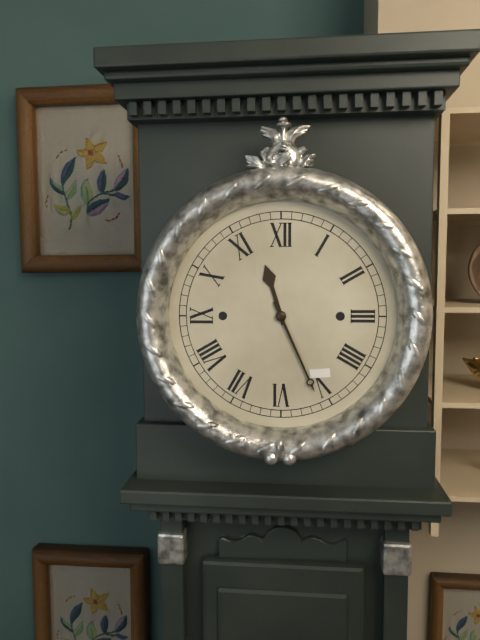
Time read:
11h26
